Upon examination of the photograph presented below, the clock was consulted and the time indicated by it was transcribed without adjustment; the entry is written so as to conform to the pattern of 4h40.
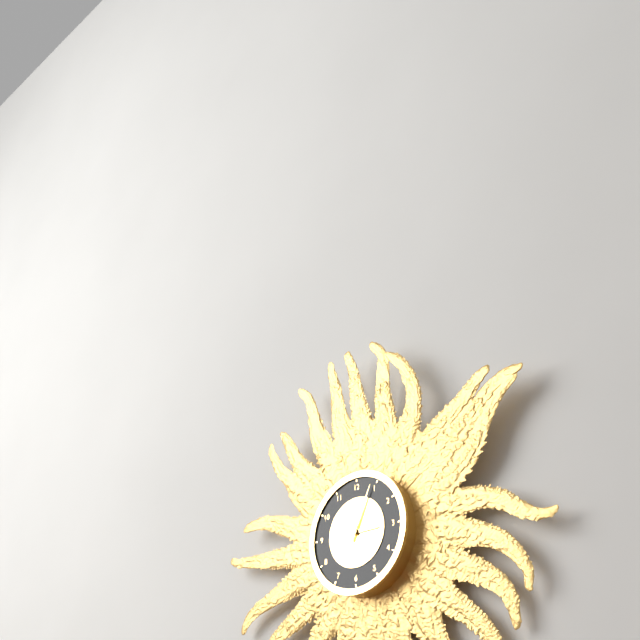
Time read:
3h04
